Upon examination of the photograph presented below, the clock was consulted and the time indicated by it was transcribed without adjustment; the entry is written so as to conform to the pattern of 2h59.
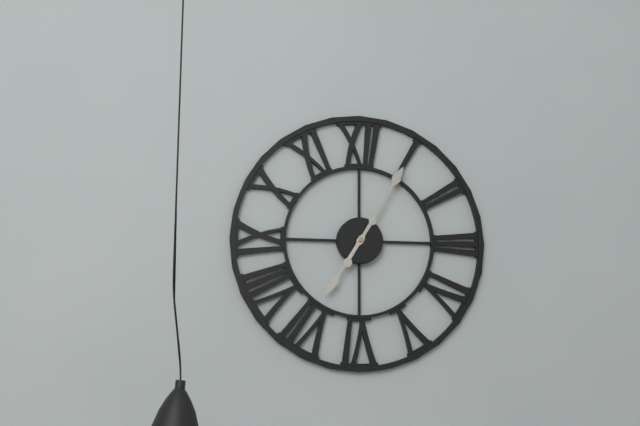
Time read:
7h05
